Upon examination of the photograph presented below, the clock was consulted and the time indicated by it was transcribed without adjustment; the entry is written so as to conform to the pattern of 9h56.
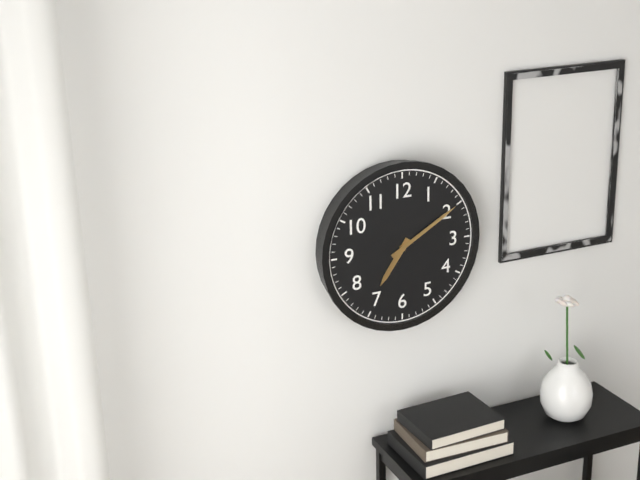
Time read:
7h10
